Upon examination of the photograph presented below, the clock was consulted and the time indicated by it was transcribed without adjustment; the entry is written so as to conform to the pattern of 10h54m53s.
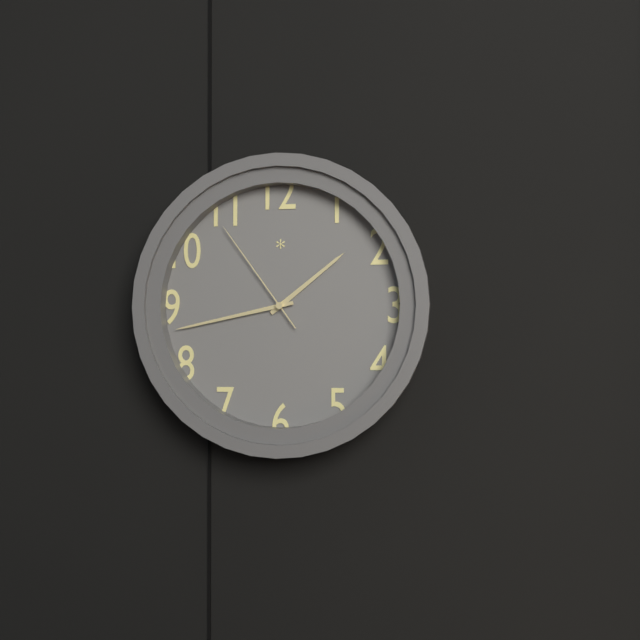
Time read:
1h43m54s
